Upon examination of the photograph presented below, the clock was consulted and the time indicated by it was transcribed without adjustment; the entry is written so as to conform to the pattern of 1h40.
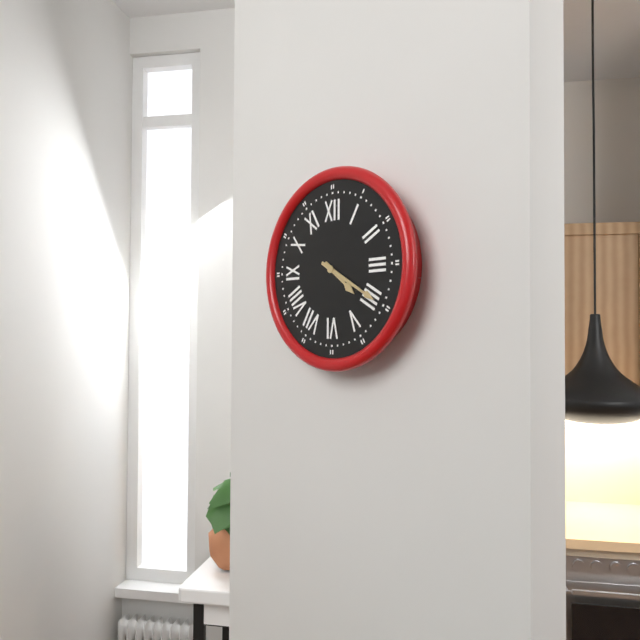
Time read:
4h20
